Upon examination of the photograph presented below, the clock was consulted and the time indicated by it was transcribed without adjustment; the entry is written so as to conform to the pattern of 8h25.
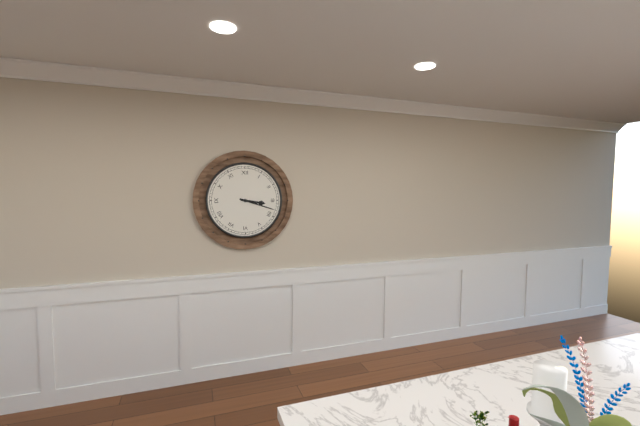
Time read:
3h18
